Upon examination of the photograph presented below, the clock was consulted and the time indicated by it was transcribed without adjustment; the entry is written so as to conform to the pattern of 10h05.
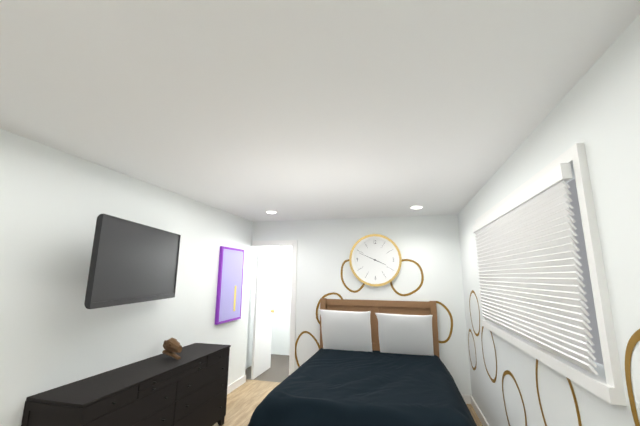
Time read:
3h49
